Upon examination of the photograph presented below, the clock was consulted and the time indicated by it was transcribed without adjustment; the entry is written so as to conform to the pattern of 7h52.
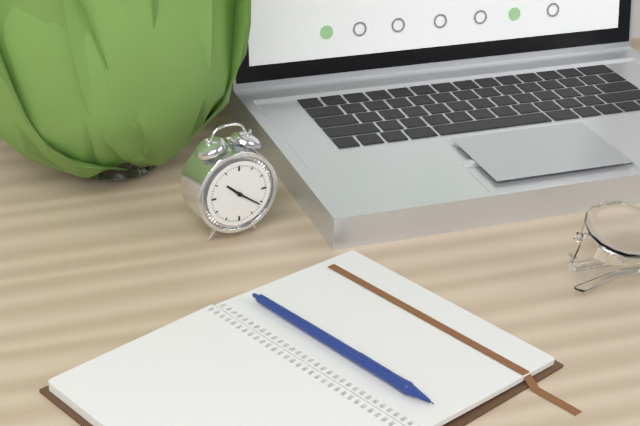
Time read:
10h21
